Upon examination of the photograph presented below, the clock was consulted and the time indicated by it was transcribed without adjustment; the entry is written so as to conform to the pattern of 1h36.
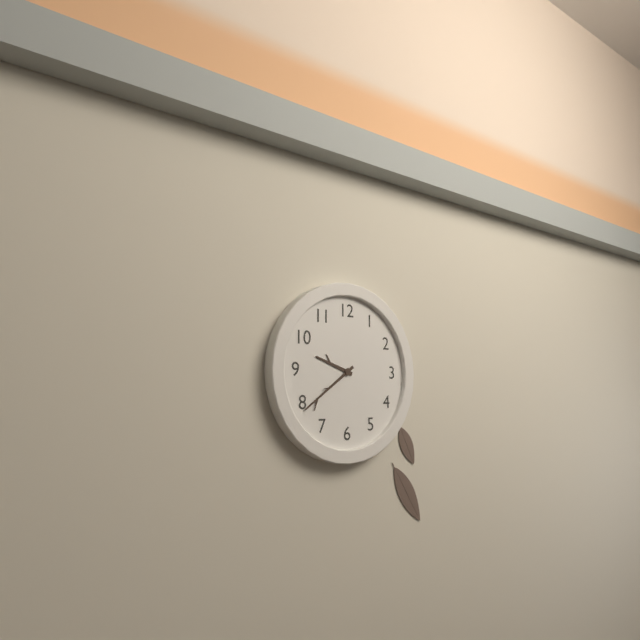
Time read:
9h39
